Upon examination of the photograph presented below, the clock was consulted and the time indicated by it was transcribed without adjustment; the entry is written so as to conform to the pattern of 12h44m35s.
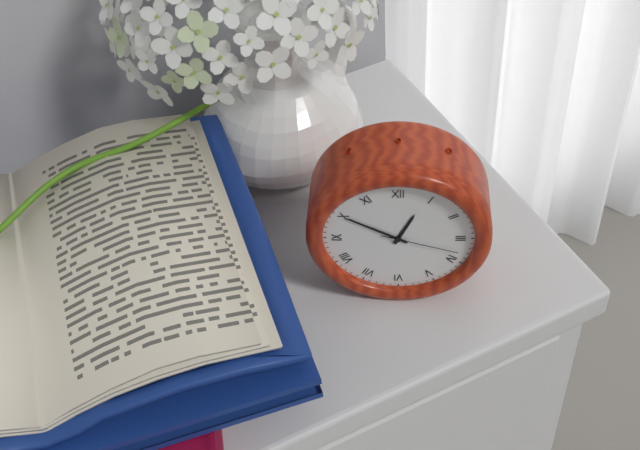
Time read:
12h50m18s
